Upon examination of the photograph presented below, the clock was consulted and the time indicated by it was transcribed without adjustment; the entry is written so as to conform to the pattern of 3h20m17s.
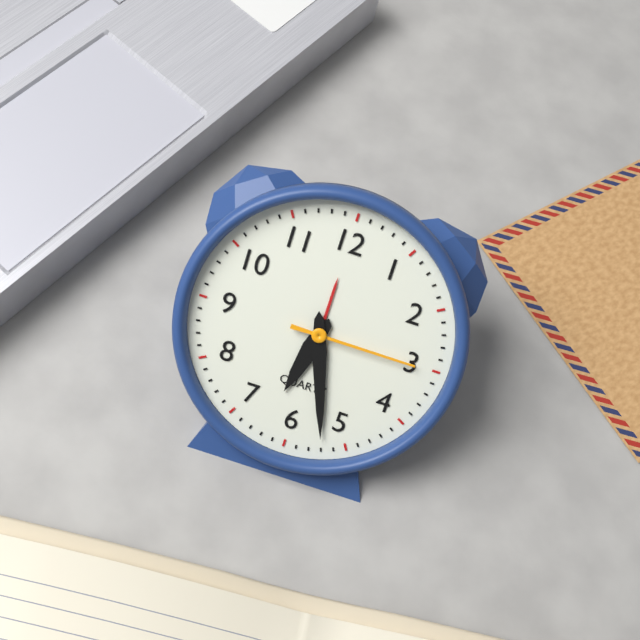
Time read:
6h27m15s
